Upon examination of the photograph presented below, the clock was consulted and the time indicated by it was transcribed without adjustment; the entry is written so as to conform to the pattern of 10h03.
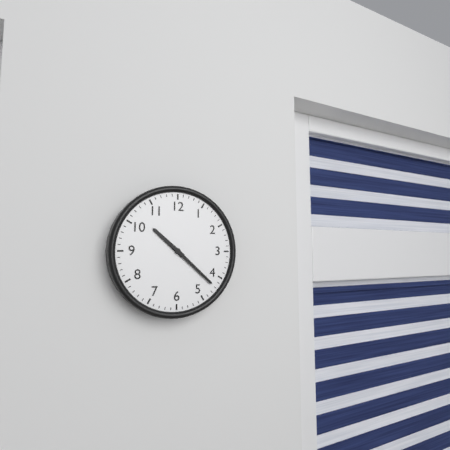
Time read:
10h22
